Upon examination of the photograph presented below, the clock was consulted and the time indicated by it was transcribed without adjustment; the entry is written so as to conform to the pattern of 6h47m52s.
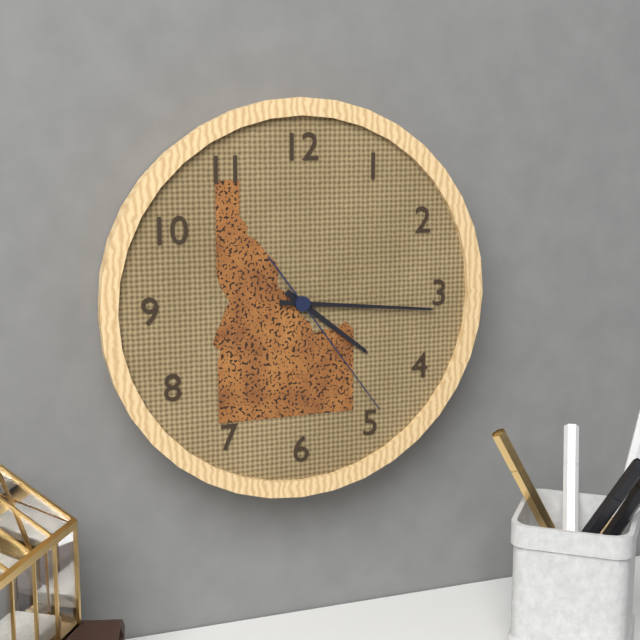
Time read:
4h16m24s
